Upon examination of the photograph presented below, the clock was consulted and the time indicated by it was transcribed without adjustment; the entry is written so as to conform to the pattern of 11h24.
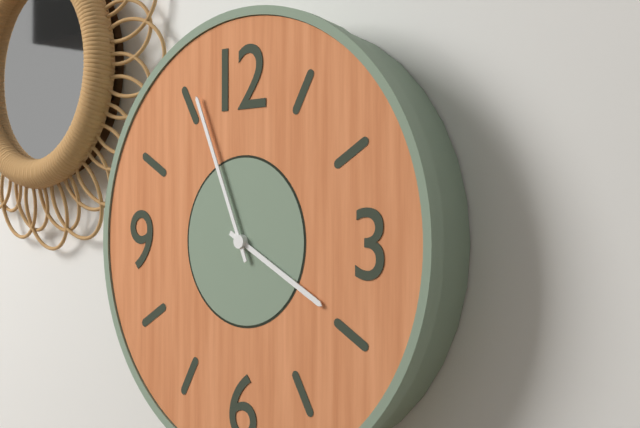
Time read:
3h56
